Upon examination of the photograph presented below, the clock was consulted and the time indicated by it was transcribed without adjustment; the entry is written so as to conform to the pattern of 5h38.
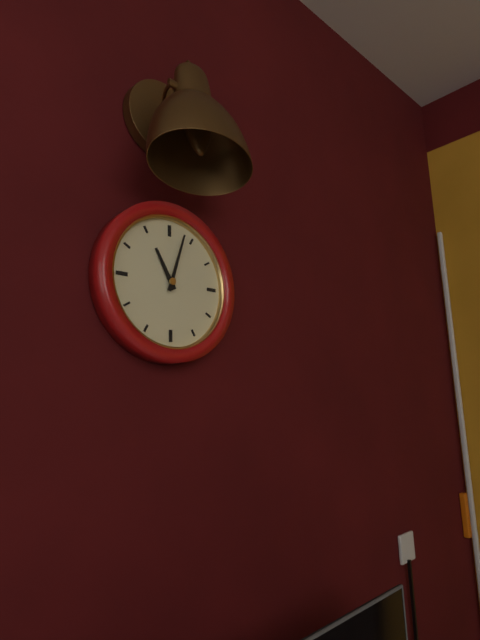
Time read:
11h03
